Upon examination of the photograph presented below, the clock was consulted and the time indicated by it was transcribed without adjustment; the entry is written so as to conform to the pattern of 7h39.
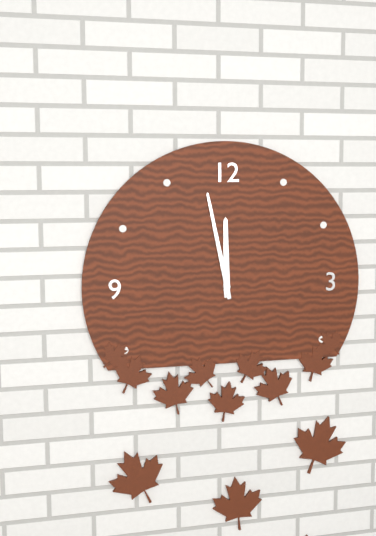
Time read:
11h58
